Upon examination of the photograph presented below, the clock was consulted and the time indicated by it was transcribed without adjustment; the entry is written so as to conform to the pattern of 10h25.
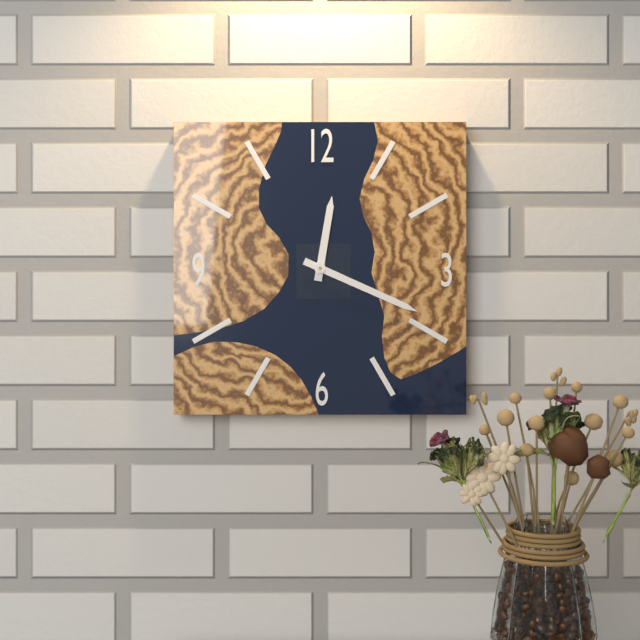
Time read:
12h19
